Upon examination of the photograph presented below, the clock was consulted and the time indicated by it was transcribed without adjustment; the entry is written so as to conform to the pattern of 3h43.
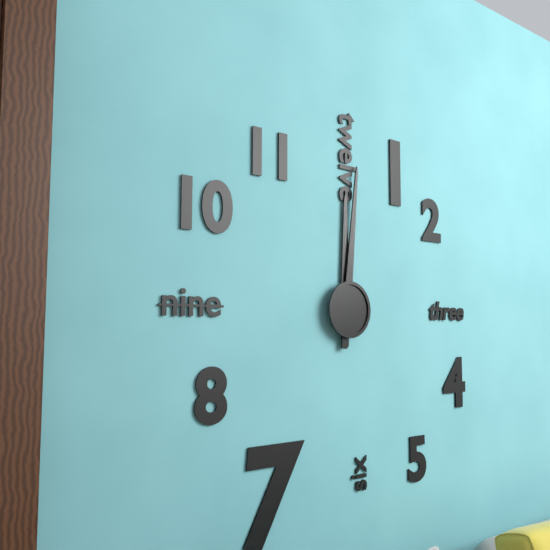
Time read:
12h01
